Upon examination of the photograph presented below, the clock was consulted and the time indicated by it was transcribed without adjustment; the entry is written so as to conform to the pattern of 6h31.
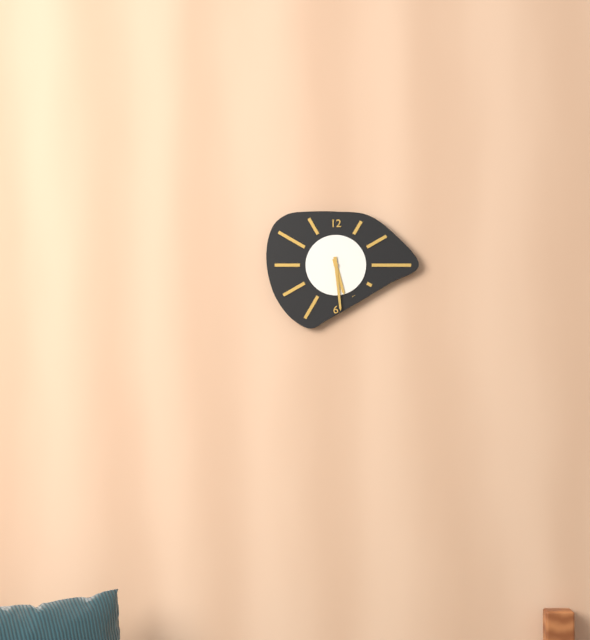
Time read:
5h29
